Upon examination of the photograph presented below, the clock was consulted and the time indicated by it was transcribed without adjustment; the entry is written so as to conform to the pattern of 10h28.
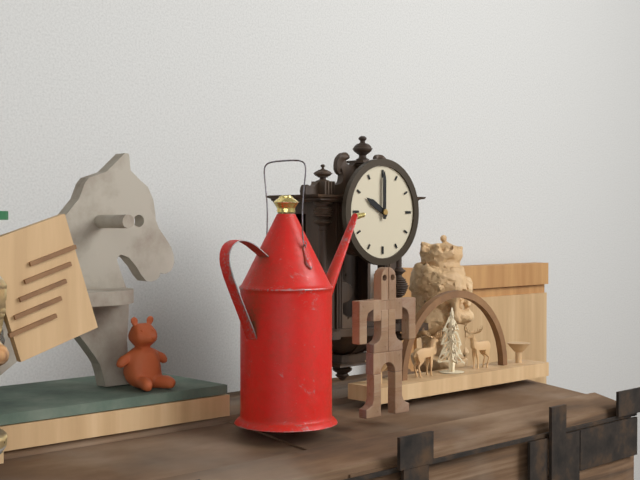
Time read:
10h00
